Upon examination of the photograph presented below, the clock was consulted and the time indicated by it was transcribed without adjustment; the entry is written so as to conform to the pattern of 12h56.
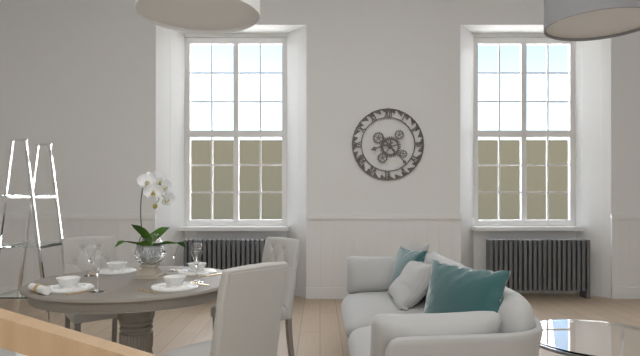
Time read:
8h23
